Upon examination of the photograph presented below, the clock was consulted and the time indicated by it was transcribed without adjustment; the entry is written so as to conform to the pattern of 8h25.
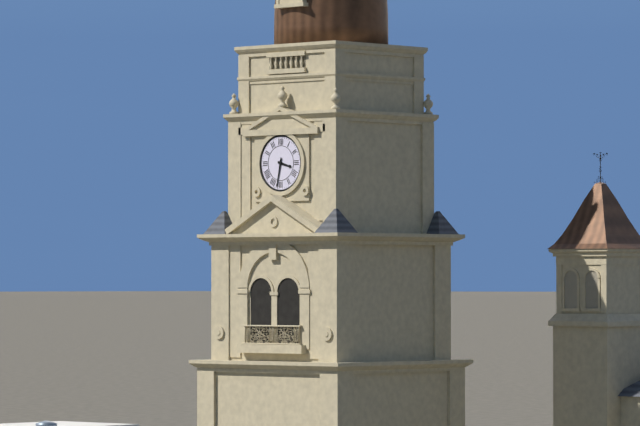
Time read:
3h32
